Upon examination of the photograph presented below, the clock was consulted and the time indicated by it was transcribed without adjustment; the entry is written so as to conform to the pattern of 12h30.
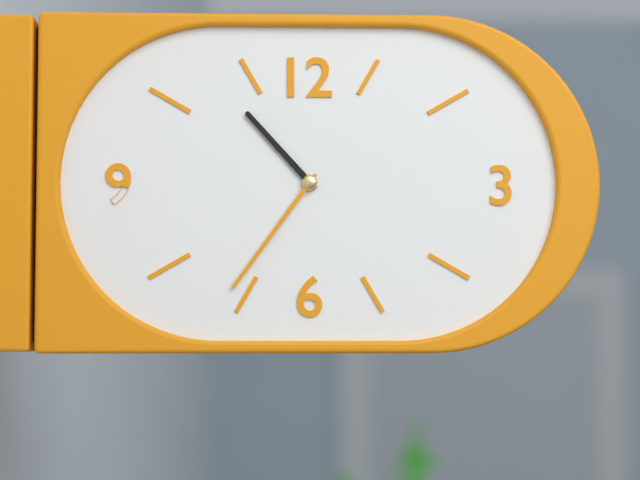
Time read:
10h36
